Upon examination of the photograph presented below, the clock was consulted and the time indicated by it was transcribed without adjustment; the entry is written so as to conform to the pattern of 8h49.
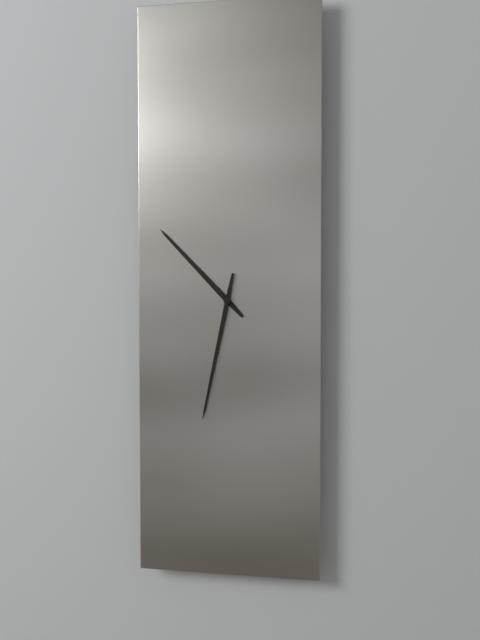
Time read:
10h32
